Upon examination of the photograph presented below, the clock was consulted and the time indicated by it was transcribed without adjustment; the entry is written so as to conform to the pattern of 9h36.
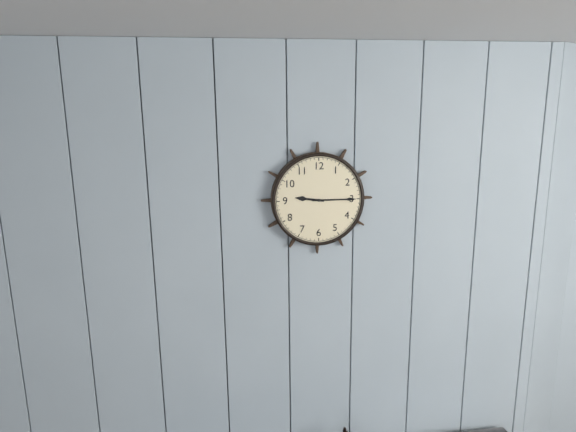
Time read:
9h15
